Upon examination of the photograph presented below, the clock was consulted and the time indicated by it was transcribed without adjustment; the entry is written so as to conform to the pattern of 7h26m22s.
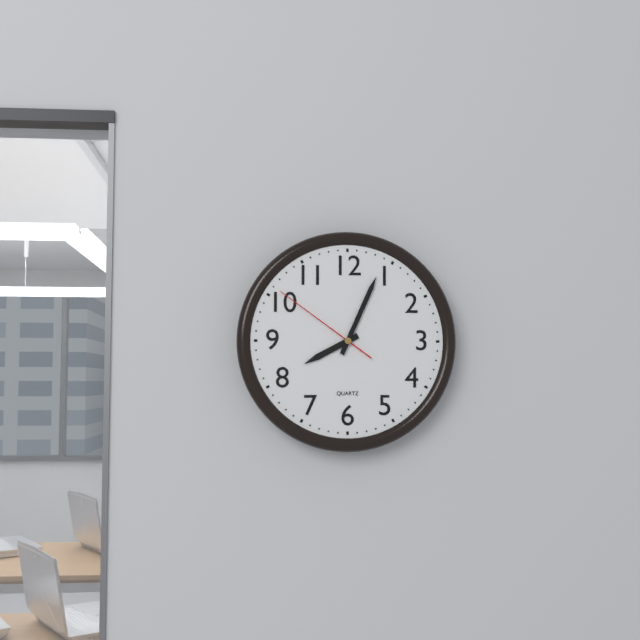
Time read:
8h04m51s
